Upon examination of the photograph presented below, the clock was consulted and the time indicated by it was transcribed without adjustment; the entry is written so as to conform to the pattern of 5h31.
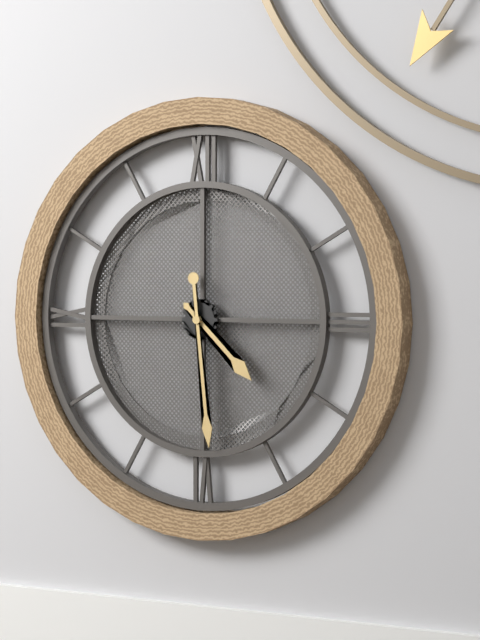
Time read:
4h29
